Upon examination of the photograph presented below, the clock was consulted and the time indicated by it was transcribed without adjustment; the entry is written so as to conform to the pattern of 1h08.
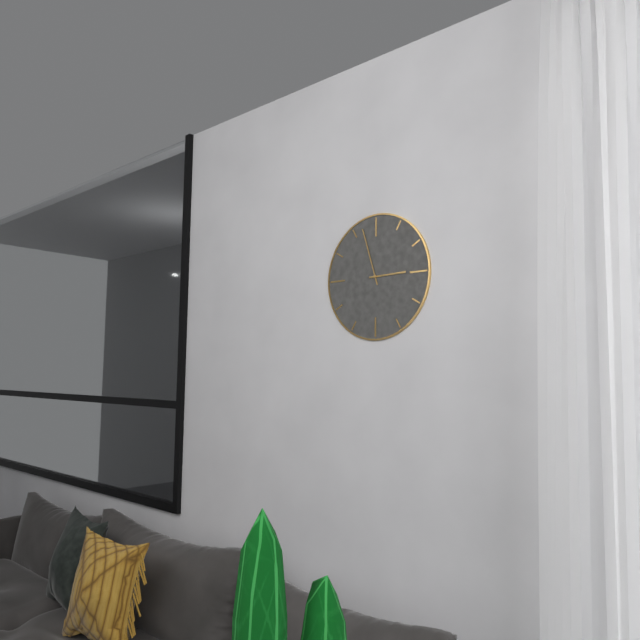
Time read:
2h57
